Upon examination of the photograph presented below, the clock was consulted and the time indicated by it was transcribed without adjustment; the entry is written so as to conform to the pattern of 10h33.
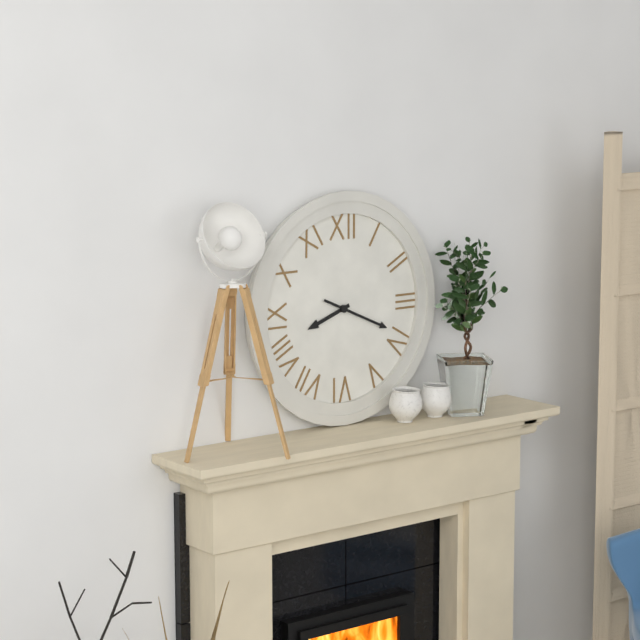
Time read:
8h19
